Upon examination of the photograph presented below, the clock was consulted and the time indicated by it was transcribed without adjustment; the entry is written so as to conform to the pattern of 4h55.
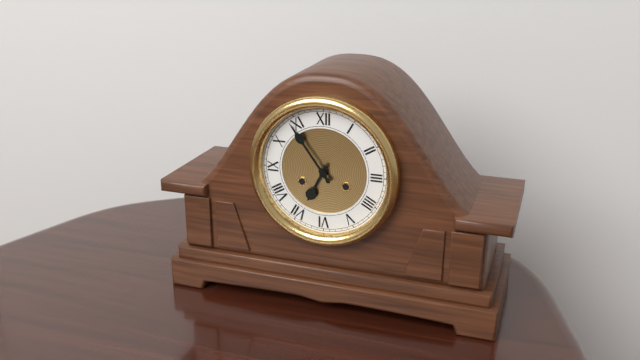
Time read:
6h54
